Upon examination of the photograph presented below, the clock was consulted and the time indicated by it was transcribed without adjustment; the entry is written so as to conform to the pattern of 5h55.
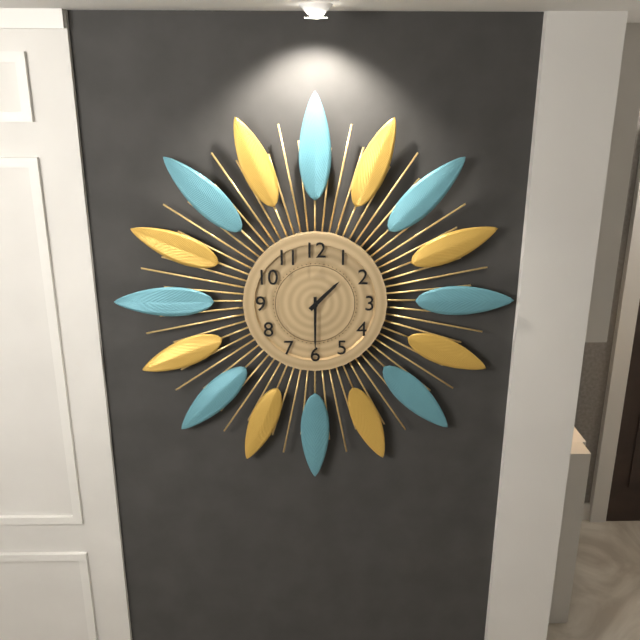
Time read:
1h30
